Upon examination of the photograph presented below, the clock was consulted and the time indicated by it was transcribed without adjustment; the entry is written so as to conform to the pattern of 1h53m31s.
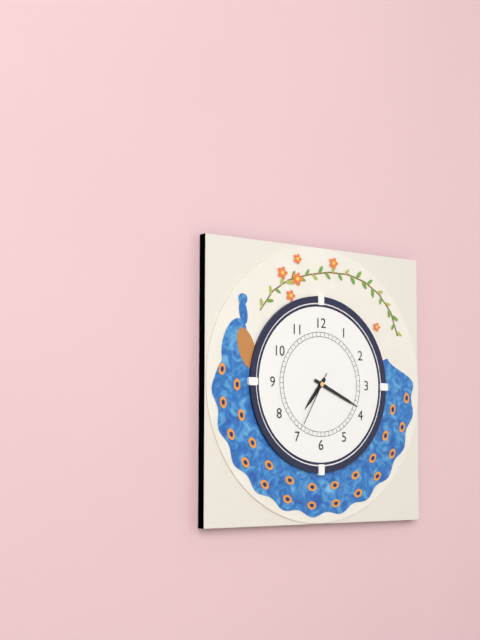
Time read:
7h19m35s
